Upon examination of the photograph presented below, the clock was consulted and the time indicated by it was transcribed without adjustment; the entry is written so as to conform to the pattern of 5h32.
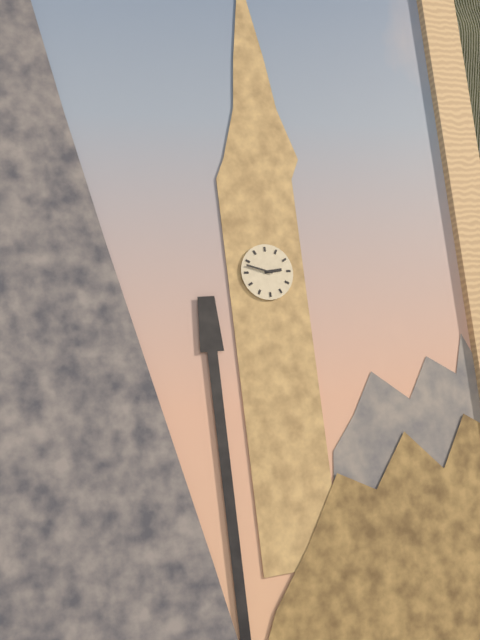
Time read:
2h48
